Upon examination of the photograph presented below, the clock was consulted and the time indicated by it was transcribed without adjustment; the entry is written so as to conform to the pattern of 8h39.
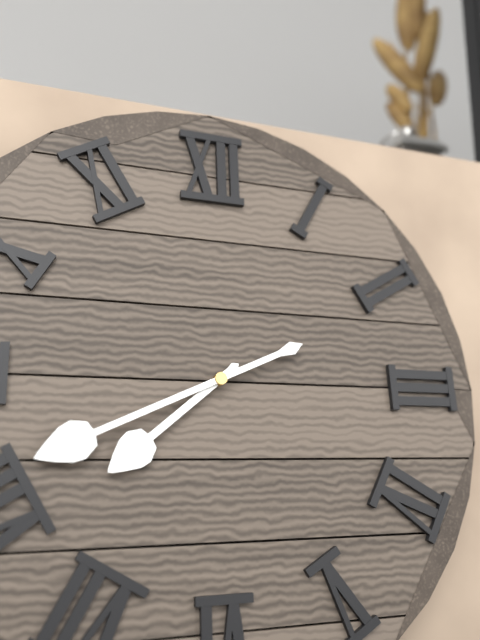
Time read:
7h41
